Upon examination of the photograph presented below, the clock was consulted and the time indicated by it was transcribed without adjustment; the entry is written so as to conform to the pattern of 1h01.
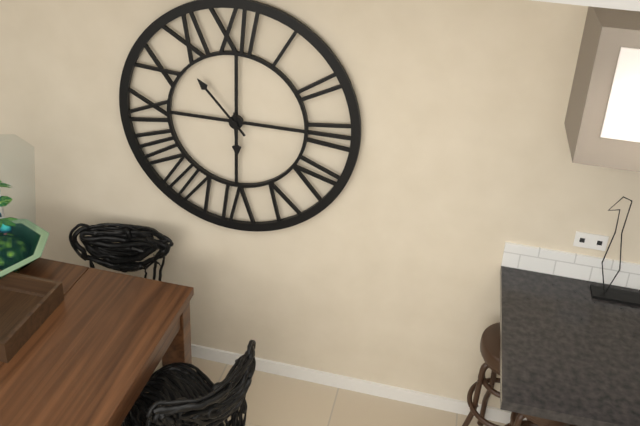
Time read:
5h53
